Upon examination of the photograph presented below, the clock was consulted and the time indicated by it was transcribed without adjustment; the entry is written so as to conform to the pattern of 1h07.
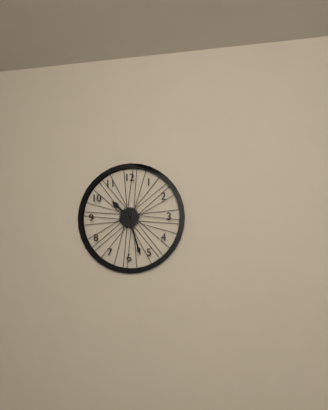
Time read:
10h27
